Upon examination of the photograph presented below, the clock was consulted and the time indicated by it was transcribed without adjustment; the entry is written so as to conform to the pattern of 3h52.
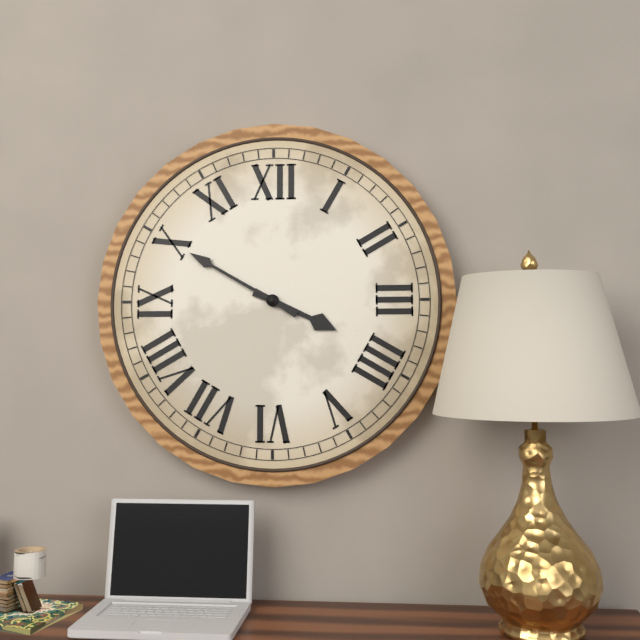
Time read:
3h50
